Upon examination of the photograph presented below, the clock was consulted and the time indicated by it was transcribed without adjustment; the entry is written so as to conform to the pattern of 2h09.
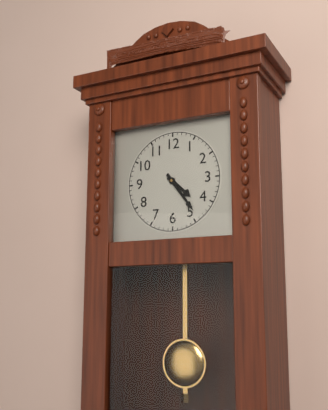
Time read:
4h24
